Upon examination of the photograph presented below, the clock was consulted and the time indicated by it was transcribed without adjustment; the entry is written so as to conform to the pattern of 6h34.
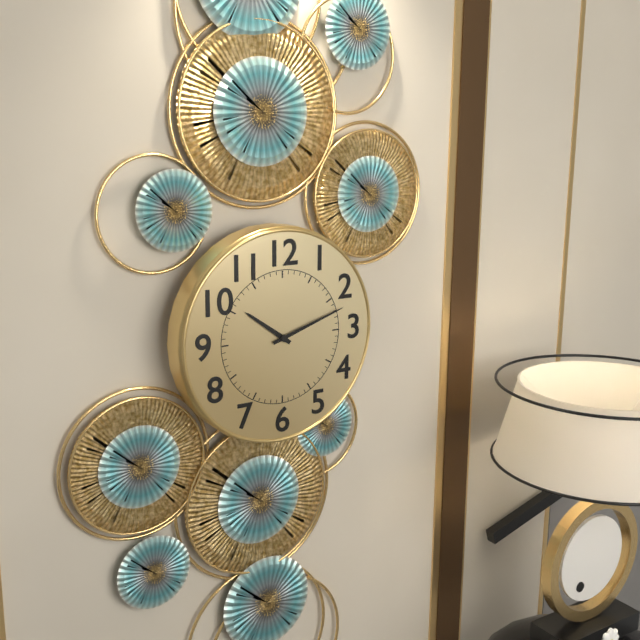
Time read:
10h12
